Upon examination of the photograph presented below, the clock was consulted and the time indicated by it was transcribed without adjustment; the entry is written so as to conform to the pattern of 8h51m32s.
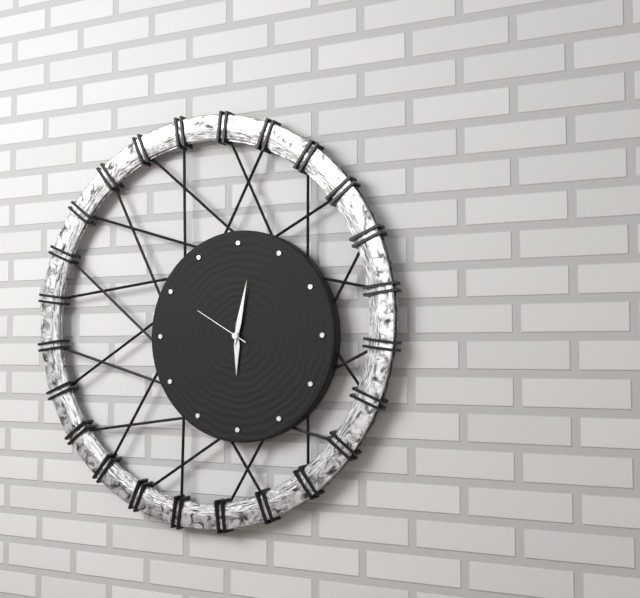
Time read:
6h02m50s
